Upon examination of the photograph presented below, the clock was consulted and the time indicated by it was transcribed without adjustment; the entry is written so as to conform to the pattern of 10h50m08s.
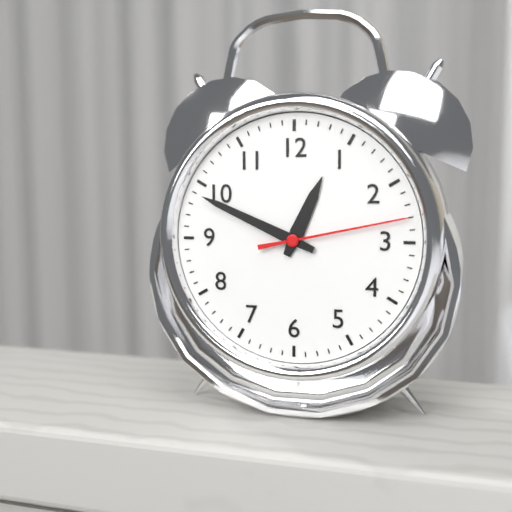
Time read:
12h49m13s
